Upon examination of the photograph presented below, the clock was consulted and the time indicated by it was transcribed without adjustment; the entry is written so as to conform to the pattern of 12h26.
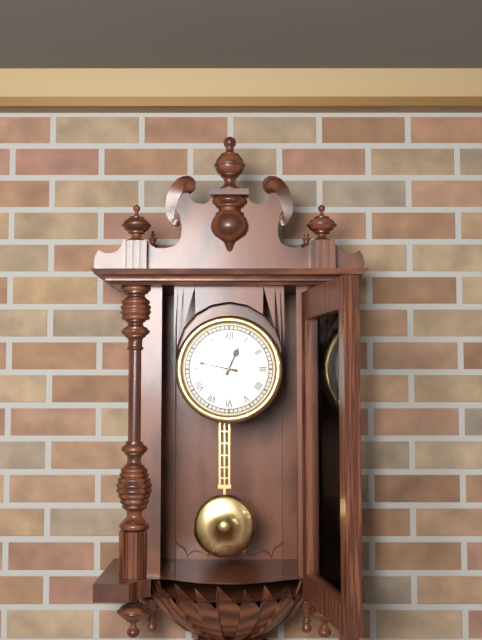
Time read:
12h47
